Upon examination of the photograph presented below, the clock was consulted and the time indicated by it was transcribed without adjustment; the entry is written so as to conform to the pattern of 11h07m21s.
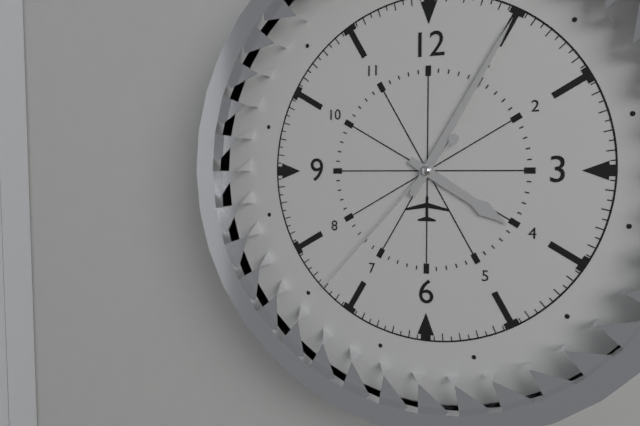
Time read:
4h05m37s
